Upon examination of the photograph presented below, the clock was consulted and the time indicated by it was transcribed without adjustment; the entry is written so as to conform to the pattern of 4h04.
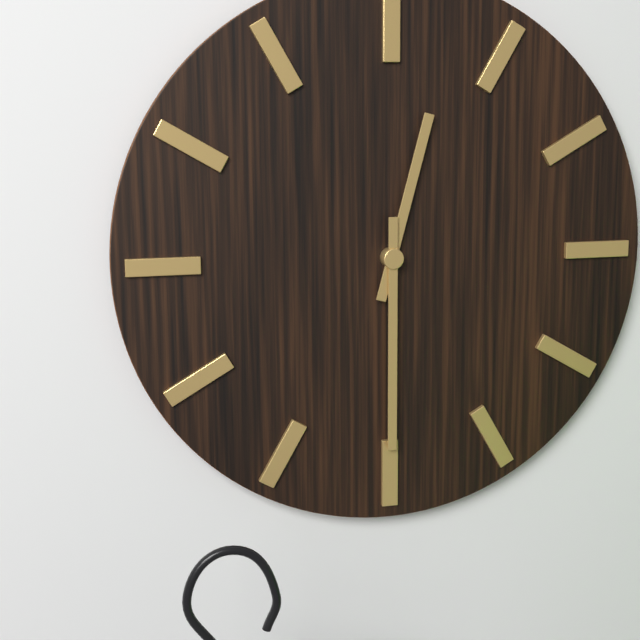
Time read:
12h30
